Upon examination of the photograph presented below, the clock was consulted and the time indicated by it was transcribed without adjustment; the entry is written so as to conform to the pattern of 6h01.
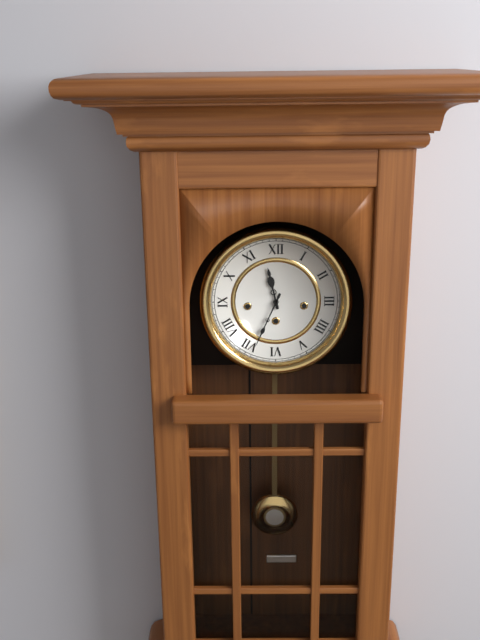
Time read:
11h34
